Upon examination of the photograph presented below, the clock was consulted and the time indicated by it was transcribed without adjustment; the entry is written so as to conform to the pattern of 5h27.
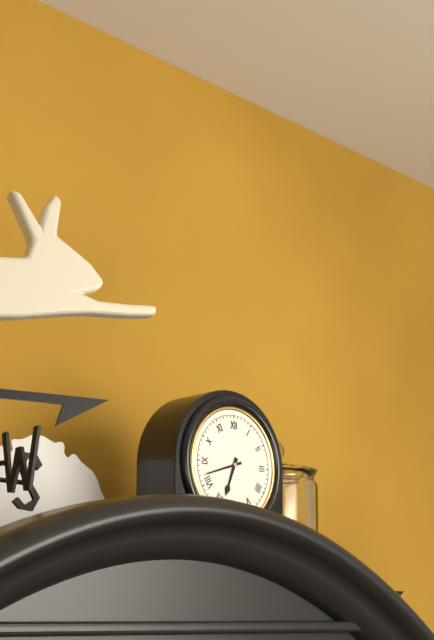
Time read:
6h42
